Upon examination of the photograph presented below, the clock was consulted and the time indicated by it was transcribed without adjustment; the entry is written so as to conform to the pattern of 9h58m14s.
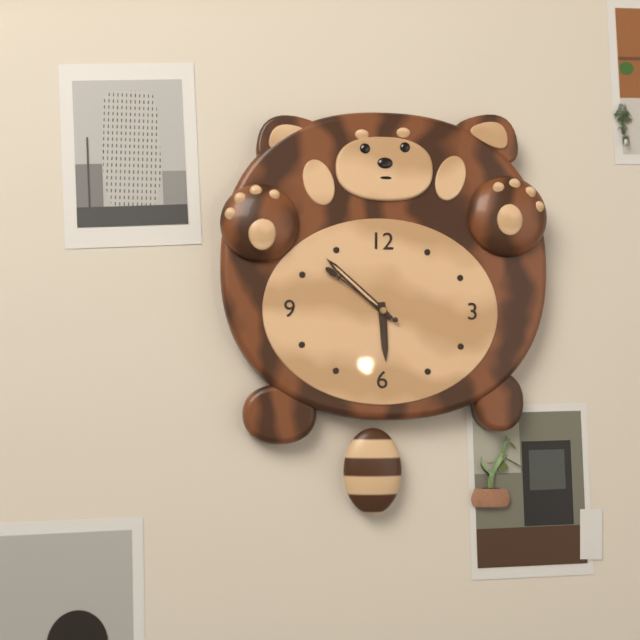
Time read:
5h52m51s
